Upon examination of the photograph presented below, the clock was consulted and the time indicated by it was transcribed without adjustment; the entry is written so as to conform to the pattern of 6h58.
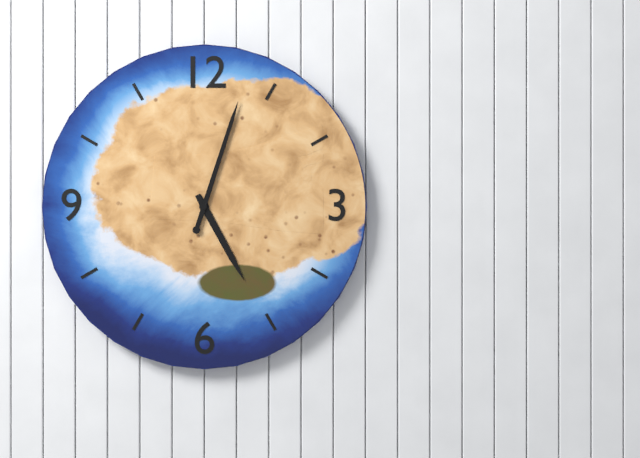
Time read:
5h03
